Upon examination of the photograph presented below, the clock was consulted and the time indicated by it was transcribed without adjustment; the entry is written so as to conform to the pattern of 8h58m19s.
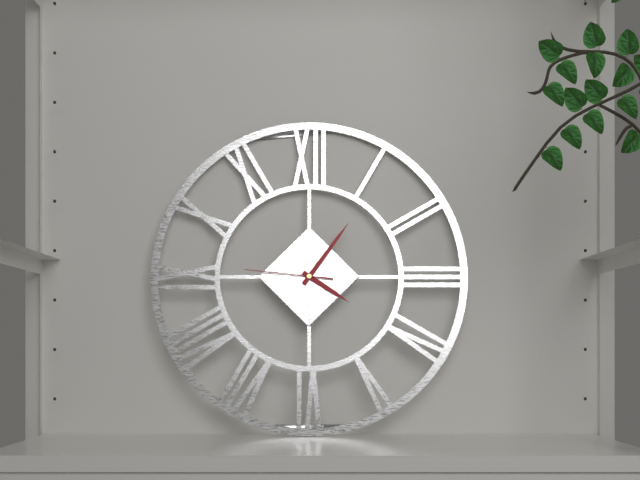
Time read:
4h06m46s
